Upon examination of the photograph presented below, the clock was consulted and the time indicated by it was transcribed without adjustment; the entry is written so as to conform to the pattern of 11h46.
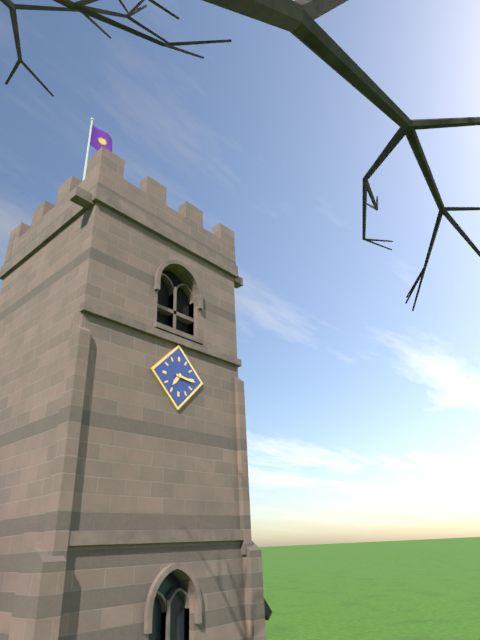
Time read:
7h16
